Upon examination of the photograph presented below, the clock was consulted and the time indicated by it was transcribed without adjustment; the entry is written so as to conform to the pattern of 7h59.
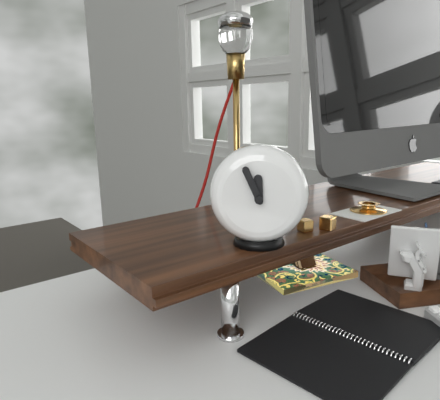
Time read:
11h56
